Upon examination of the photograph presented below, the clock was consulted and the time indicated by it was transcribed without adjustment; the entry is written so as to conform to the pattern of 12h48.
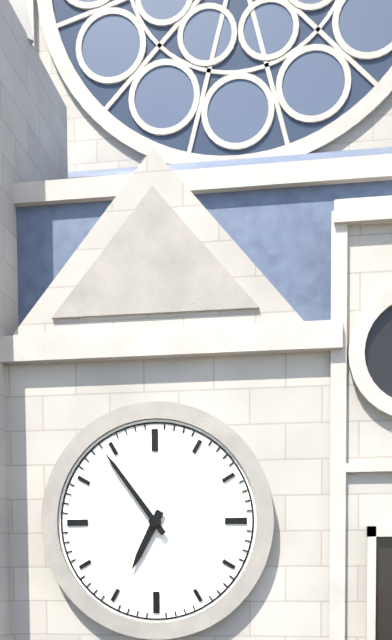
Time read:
6h54
